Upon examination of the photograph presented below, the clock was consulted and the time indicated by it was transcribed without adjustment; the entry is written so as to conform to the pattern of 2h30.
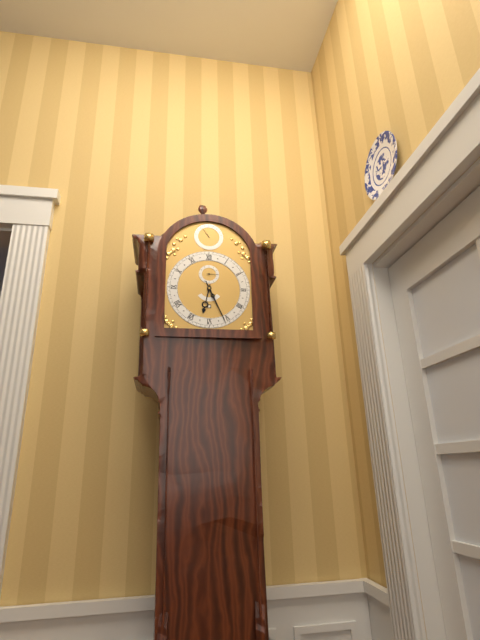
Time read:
6h26
